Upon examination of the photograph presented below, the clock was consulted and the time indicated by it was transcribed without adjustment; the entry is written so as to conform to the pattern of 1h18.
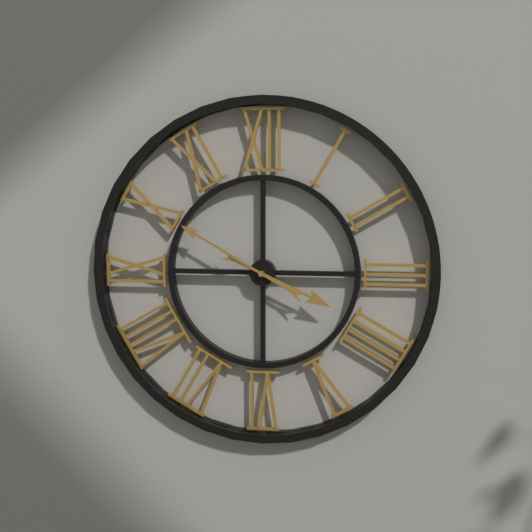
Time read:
3h50
